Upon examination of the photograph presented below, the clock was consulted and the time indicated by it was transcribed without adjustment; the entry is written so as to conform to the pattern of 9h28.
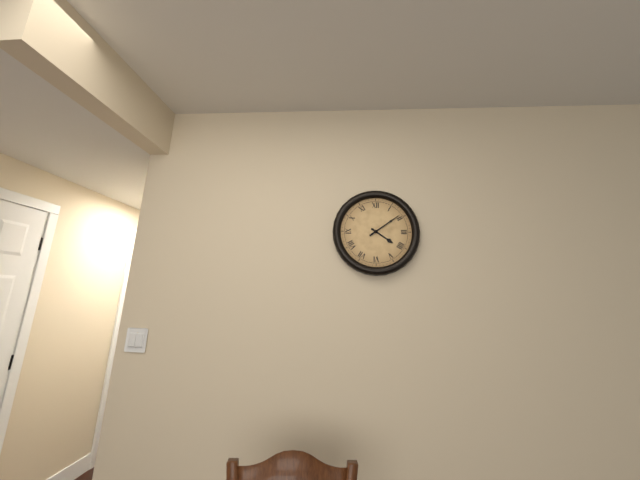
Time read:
4h09
